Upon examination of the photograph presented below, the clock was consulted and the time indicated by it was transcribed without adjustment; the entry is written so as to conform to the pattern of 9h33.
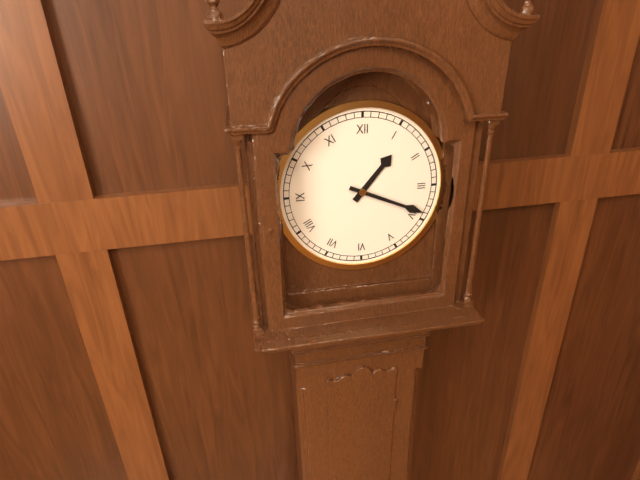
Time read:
1h19
